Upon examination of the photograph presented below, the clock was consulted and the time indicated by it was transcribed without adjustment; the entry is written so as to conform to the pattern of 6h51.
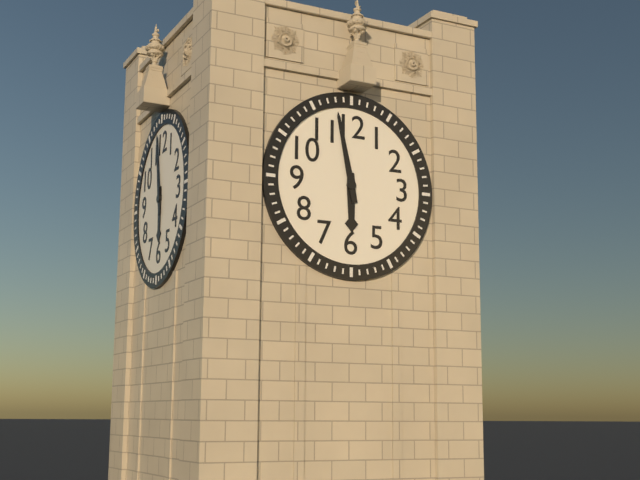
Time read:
5h58
